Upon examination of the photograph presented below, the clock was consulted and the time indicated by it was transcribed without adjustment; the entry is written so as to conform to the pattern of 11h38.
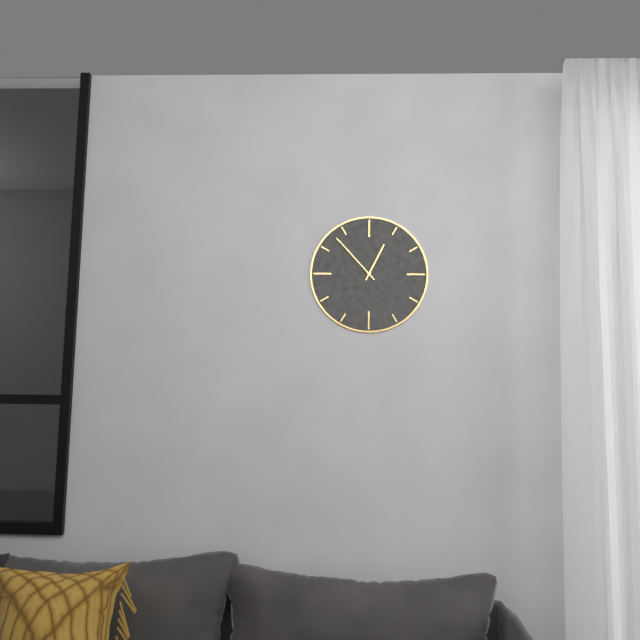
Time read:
12h53
